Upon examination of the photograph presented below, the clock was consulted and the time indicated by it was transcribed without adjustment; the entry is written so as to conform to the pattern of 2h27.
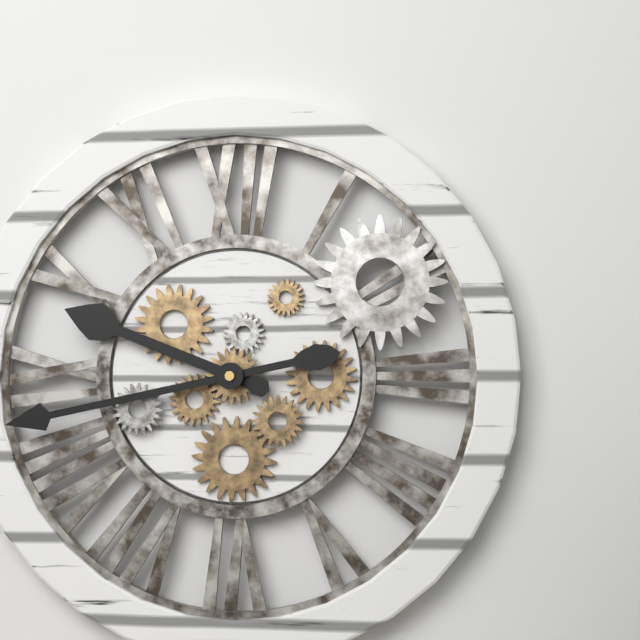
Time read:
9h43
